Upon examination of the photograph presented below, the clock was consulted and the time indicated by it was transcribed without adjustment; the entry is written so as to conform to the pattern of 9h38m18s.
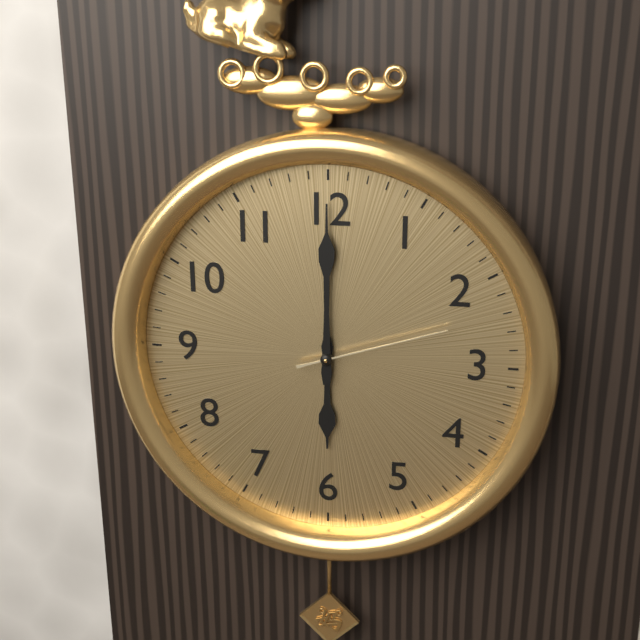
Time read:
6h00m12s
